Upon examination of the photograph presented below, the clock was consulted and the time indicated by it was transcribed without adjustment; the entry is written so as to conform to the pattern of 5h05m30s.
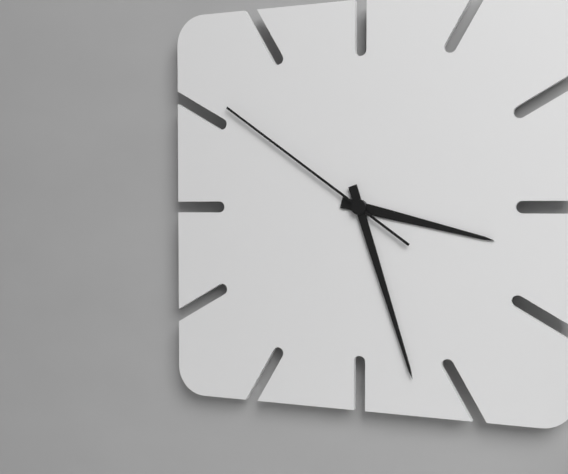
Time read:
3h27m51s
